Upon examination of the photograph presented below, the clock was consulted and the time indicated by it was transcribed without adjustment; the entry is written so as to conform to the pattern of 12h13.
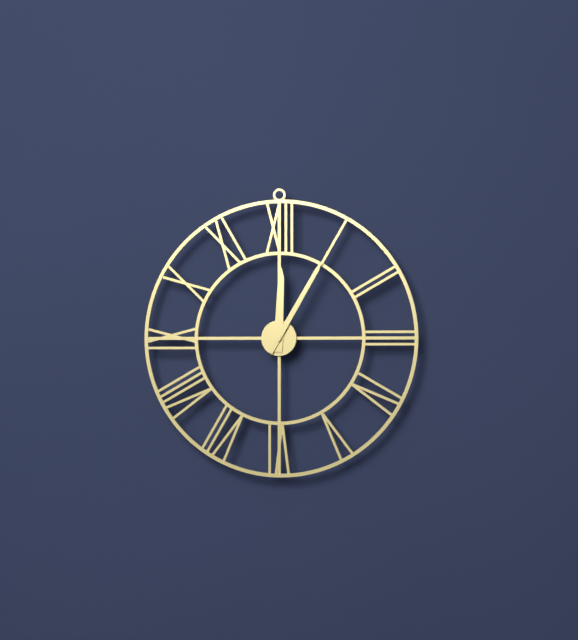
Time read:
12h05
